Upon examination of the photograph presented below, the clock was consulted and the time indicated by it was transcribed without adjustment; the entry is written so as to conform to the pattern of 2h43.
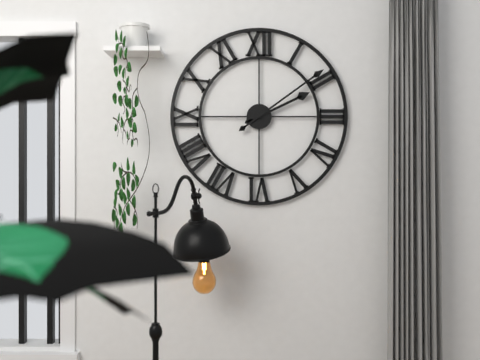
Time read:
2h09
